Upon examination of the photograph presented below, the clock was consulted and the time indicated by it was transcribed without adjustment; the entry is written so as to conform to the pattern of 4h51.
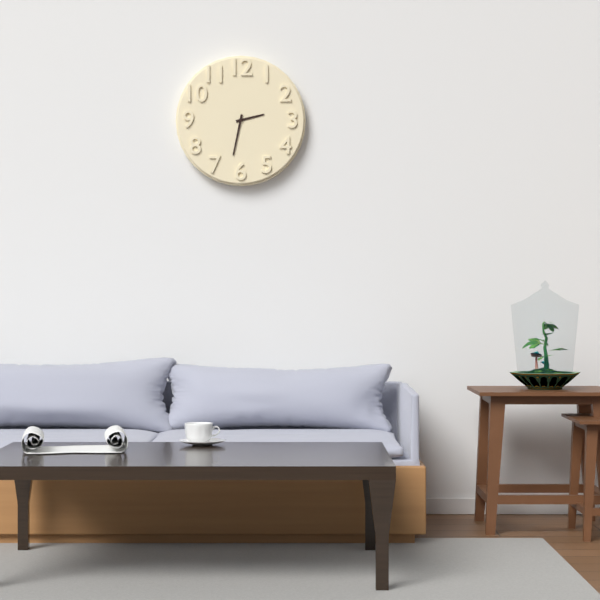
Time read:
2h32
